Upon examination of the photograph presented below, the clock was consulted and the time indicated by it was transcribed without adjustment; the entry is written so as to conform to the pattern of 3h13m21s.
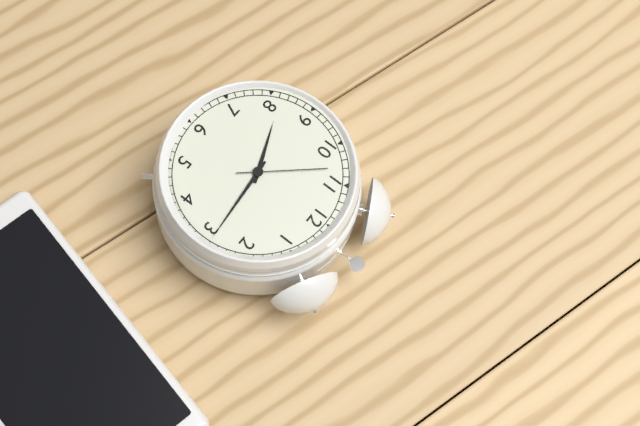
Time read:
8h14m53s
